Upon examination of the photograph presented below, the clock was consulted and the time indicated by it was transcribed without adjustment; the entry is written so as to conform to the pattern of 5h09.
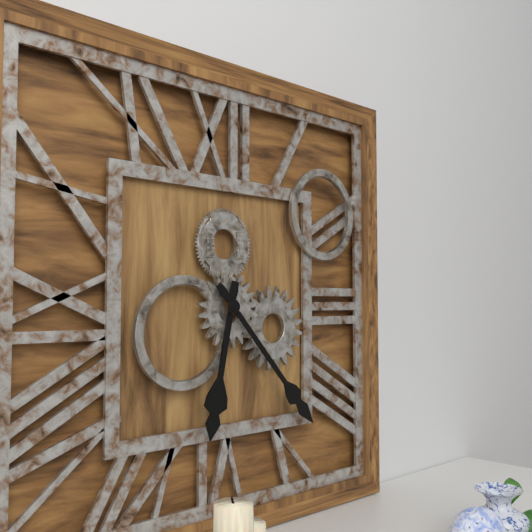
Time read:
6h23
